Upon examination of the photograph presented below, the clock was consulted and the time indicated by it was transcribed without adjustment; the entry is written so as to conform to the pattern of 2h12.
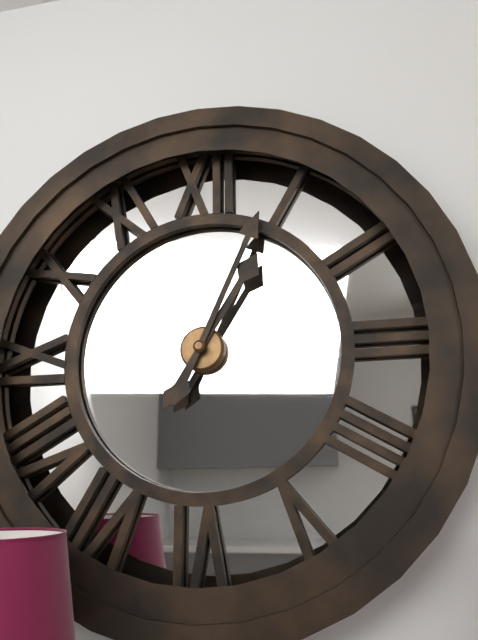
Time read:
1h04
